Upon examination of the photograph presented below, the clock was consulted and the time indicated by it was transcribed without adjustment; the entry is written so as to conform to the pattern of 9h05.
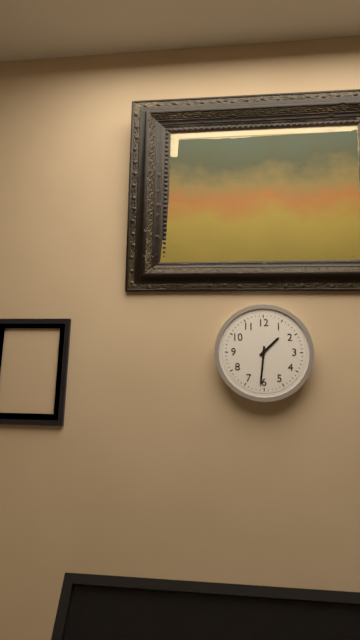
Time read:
1h31
